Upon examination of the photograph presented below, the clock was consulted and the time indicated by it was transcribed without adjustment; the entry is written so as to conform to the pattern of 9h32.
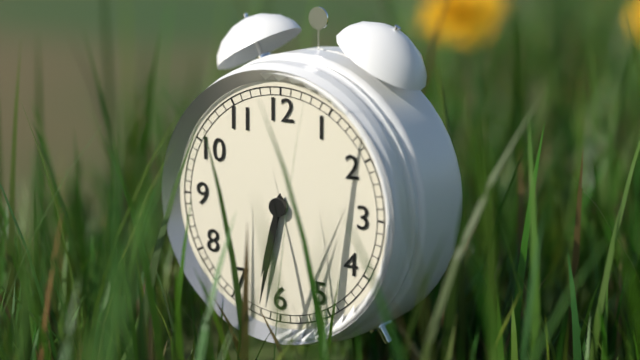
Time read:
6h32
